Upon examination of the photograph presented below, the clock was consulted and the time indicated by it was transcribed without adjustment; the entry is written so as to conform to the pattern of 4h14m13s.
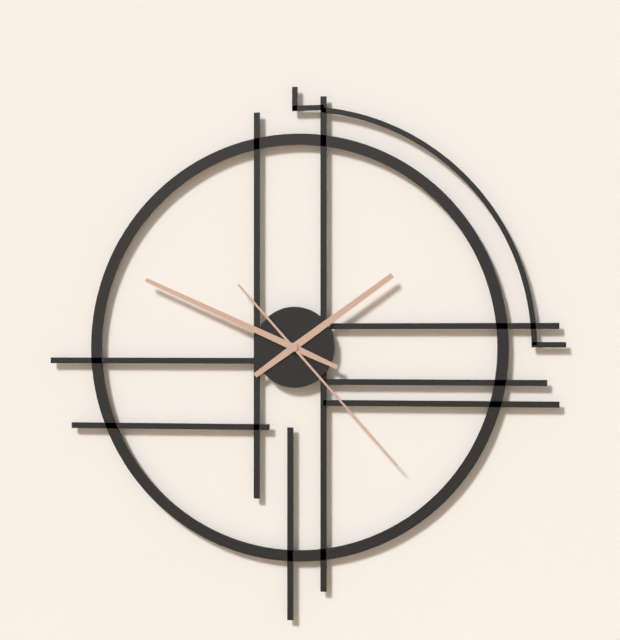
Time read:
1h49m23s
